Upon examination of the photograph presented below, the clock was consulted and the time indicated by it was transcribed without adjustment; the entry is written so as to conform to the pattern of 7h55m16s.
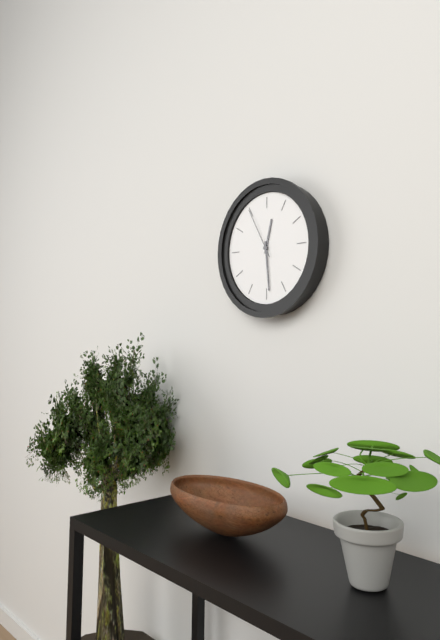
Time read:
12h29m55s
